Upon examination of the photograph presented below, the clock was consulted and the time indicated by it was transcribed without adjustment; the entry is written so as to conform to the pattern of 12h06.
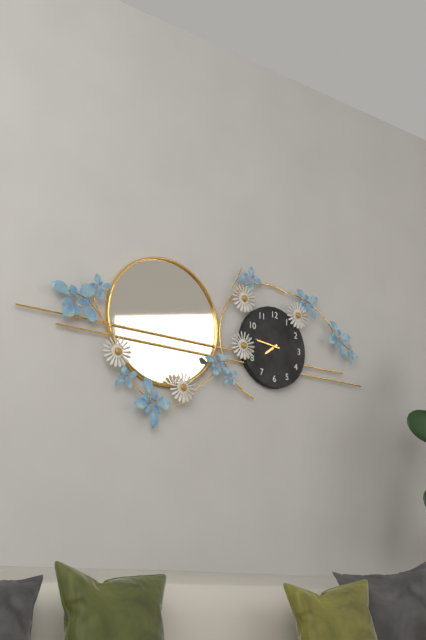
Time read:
7h46
